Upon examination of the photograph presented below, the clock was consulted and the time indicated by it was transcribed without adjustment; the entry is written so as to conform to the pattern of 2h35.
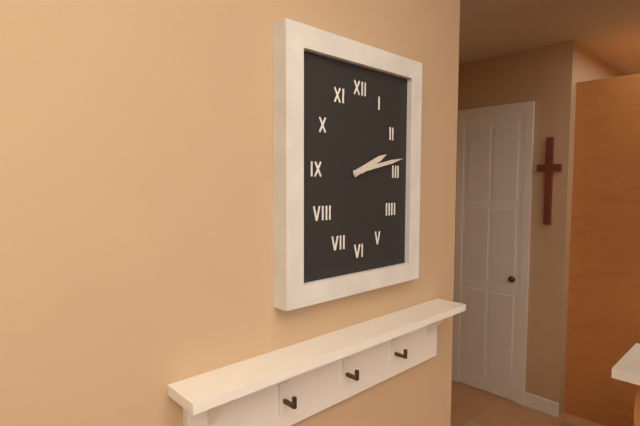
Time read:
2h13
